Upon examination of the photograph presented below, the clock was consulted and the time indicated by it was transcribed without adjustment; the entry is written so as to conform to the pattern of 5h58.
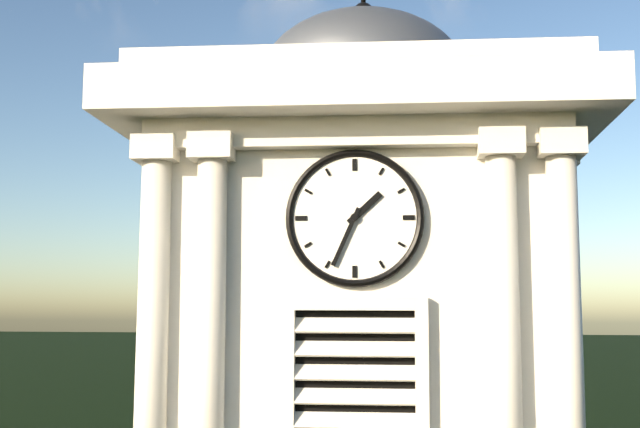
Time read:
1h34
